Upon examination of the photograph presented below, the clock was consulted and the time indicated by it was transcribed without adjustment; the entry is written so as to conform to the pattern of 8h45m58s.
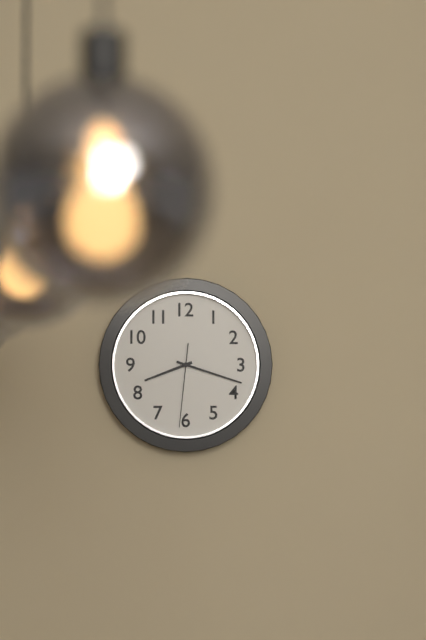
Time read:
8h18m31s
